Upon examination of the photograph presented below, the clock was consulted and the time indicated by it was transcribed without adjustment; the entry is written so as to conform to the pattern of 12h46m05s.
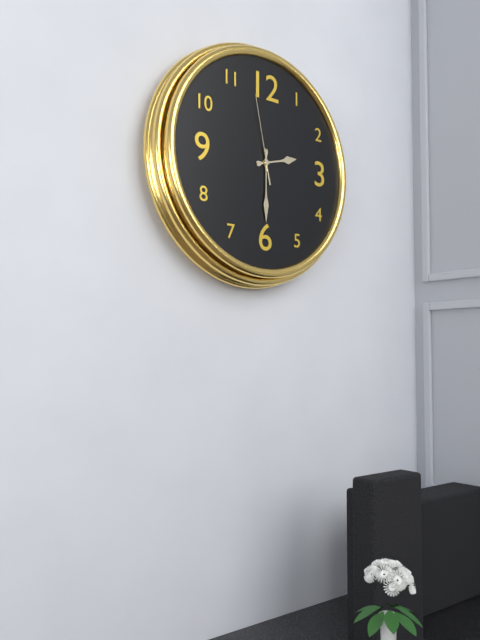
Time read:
2h30m58s
